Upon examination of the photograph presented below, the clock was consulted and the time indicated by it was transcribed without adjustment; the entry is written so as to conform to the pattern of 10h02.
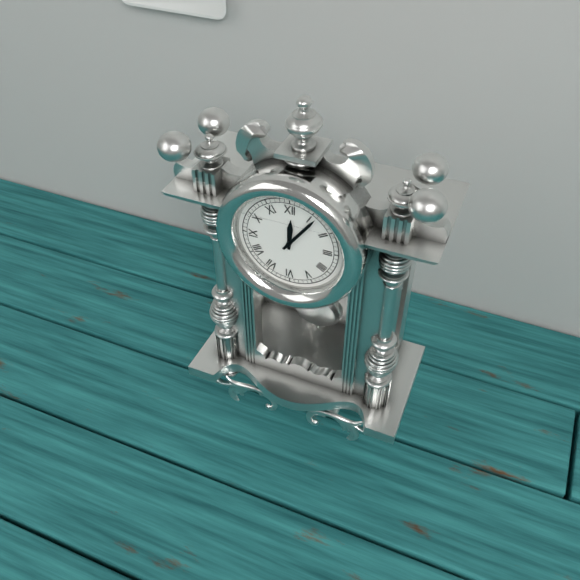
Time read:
12h06
